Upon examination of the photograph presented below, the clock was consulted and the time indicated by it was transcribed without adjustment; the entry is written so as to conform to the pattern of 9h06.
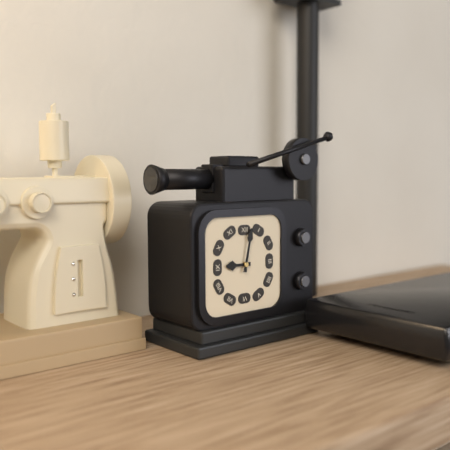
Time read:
9h02
